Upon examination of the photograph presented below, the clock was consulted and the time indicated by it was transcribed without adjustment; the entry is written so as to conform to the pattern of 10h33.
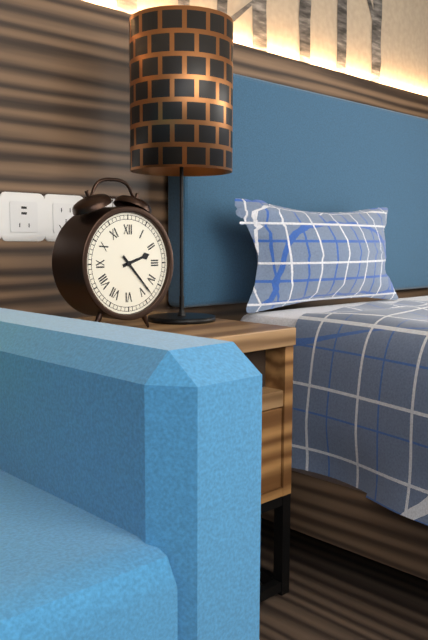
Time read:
2h23
